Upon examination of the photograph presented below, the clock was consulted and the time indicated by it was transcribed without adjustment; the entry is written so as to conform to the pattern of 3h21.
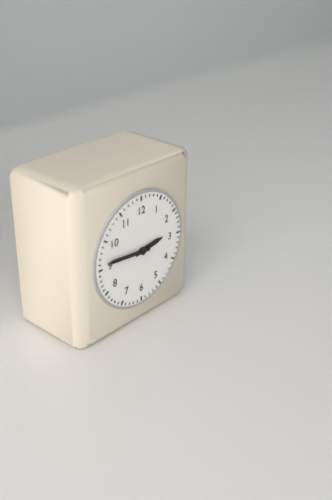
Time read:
2h46
